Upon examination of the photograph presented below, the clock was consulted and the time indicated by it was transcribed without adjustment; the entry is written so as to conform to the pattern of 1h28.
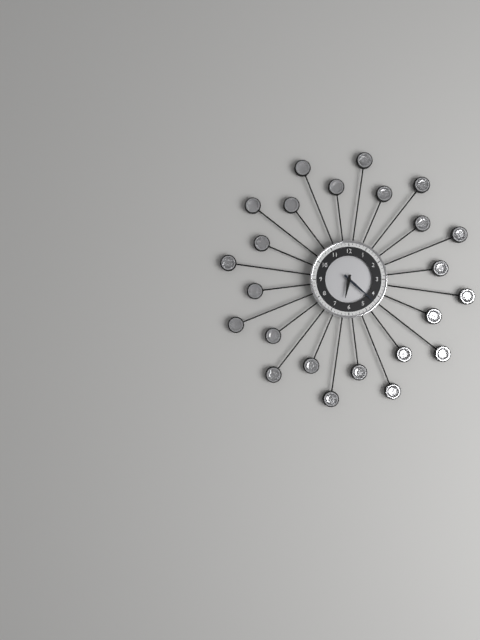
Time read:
6h22
